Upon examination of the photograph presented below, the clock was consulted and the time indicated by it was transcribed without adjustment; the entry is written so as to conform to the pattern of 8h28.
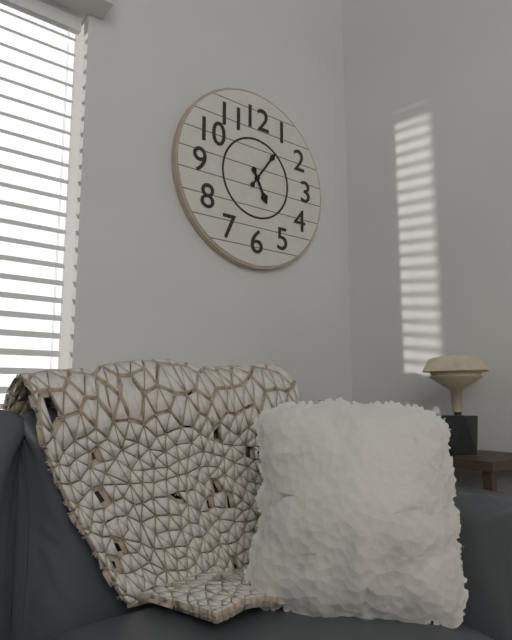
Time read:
5h06
